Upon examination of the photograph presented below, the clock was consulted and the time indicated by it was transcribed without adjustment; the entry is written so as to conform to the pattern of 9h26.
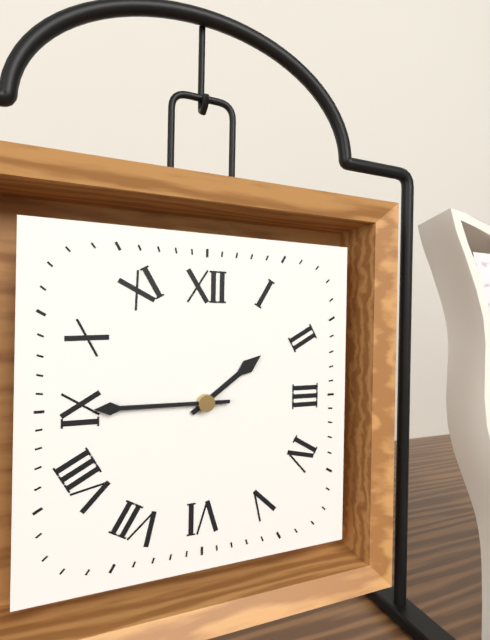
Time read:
1h45
